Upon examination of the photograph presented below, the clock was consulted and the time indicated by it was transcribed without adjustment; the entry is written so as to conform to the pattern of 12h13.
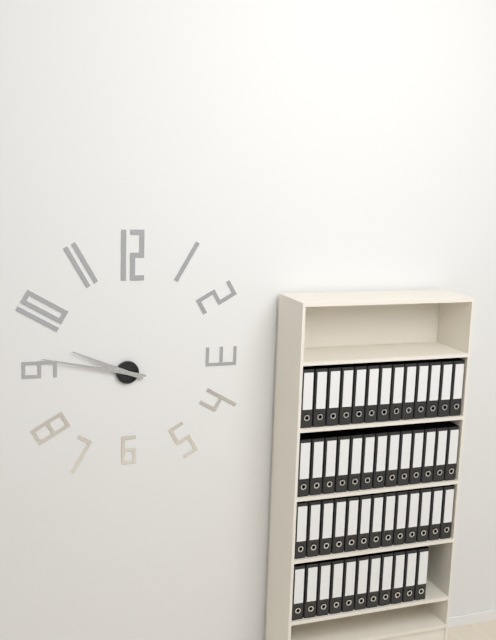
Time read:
9h47
